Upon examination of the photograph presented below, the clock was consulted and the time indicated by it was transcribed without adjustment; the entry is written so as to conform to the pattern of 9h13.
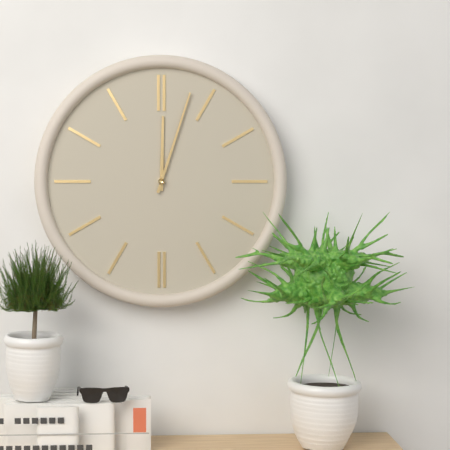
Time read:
12h03
